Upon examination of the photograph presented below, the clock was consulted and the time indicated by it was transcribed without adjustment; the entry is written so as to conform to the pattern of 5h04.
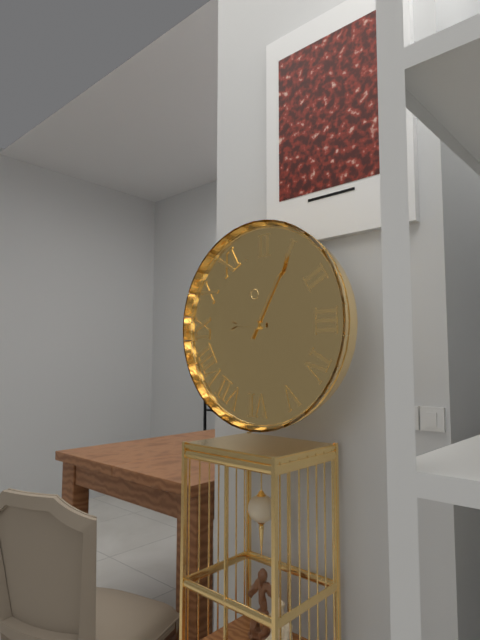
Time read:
9h05
